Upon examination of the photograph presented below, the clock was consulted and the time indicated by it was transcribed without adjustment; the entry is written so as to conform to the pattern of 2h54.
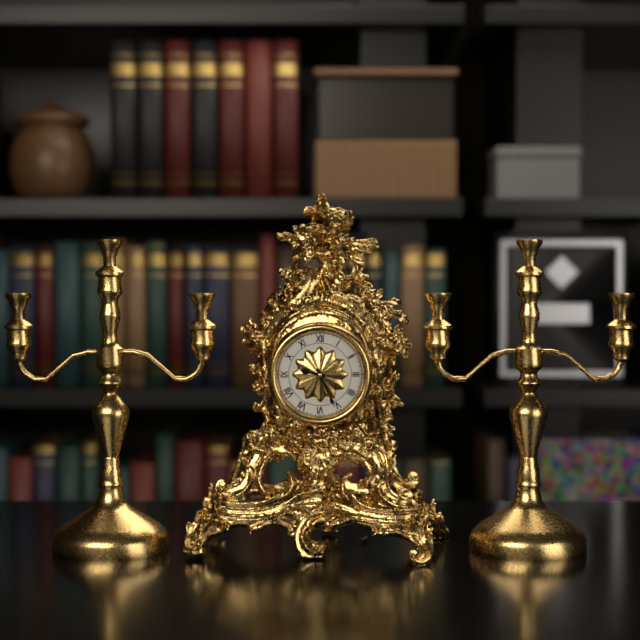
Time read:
9h26
